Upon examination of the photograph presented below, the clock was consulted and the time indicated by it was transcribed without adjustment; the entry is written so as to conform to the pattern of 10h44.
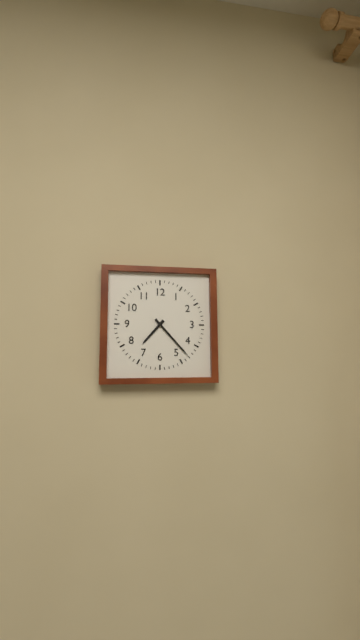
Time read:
7h23
